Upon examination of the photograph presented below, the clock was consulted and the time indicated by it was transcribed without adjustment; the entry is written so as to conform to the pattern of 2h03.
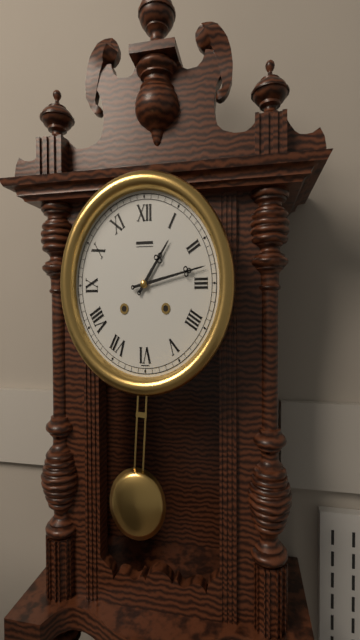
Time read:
1h13
